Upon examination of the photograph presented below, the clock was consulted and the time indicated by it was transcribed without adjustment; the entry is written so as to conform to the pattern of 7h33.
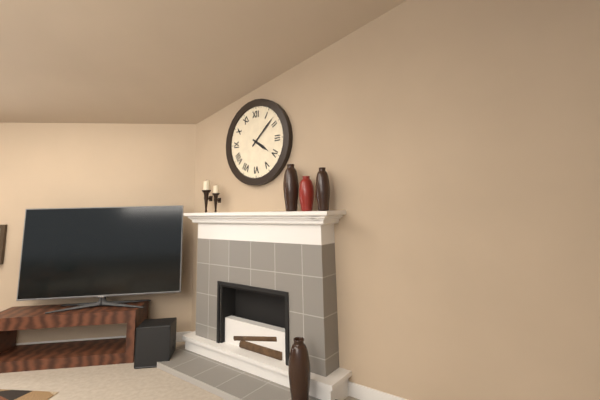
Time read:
4h08
